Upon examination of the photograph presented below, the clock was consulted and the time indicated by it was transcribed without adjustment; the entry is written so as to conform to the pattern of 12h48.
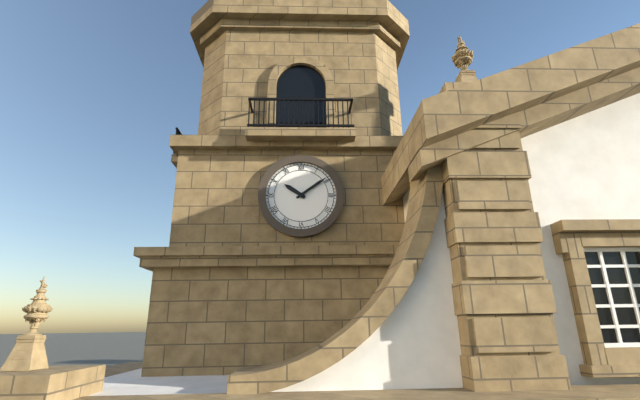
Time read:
10h09
